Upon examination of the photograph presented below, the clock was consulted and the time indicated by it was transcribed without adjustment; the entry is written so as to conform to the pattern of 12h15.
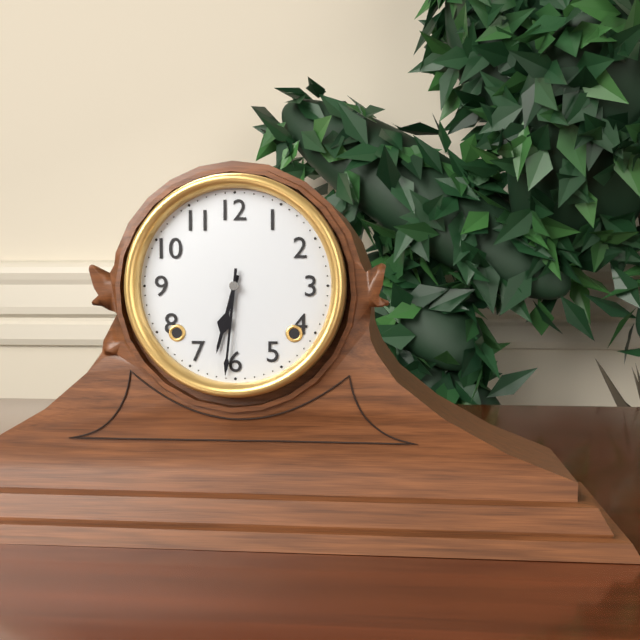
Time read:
6h31
